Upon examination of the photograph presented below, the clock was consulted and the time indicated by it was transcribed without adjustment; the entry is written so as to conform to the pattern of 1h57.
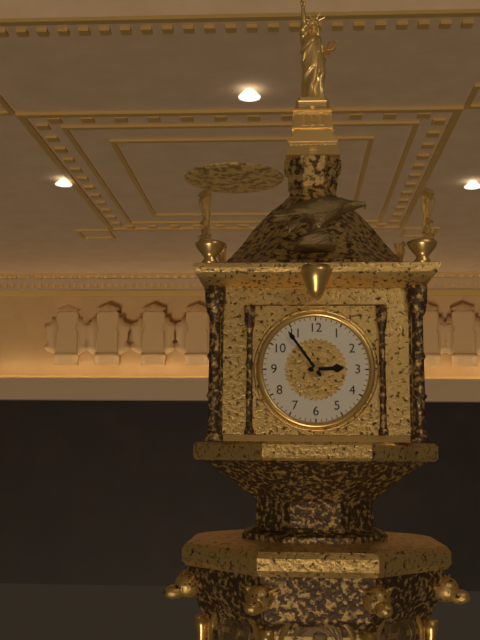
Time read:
2h54
